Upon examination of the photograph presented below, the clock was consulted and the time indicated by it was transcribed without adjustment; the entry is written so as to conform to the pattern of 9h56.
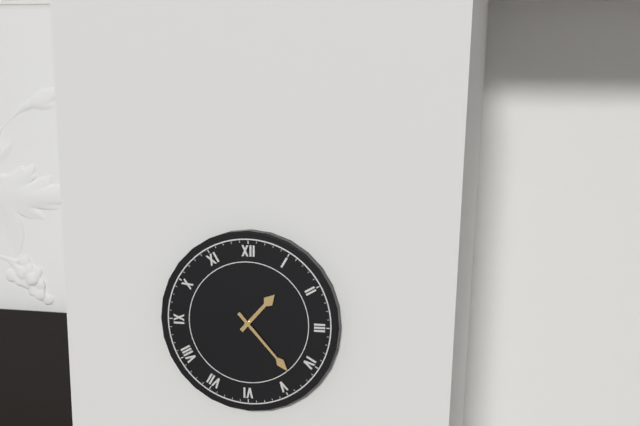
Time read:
1h23
